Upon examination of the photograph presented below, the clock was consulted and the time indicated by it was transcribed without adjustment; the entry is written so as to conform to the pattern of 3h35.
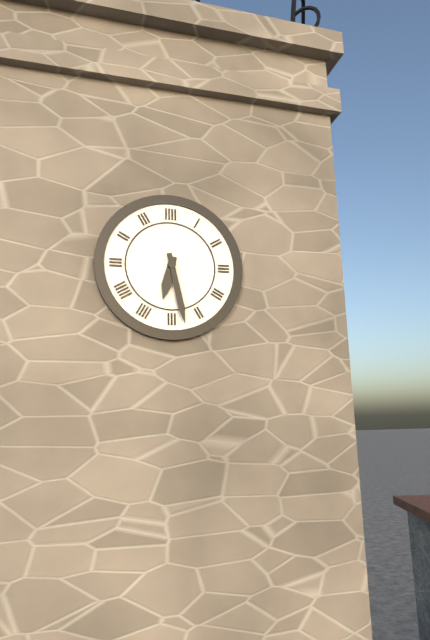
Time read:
6h28
